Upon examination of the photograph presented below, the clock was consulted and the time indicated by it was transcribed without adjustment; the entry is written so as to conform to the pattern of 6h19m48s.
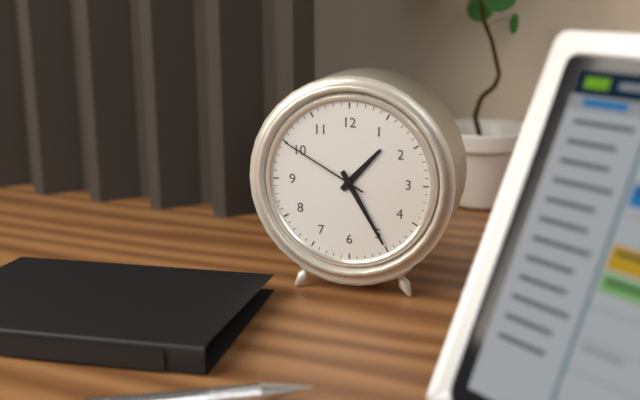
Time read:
1h25m50s
